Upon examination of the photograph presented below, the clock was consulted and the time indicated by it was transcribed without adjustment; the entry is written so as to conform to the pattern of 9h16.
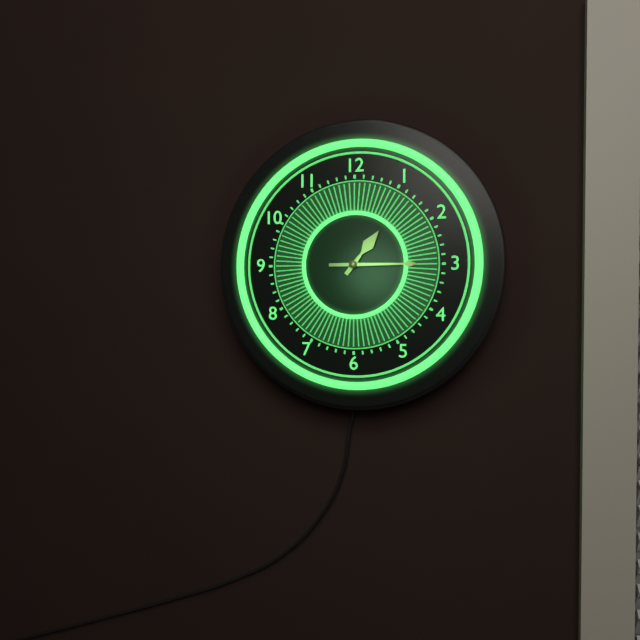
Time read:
1h15
